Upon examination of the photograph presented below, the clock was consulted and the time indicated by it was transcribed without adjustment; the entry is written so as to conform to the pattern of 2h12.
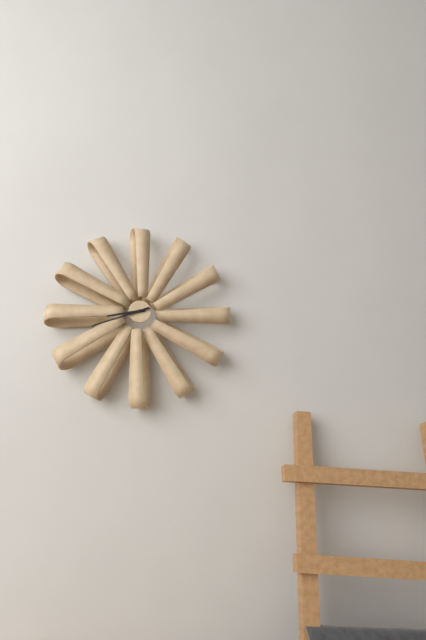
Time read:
8h42
